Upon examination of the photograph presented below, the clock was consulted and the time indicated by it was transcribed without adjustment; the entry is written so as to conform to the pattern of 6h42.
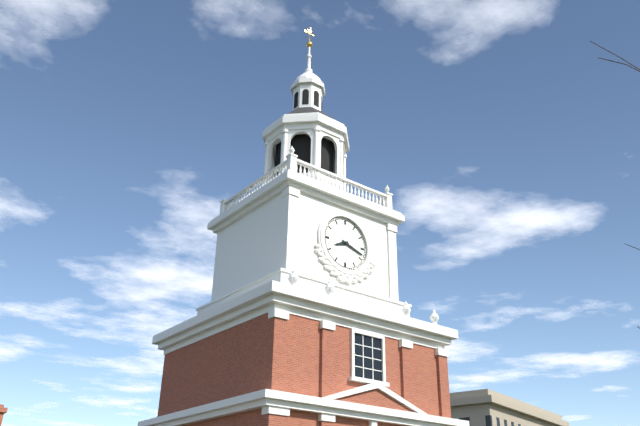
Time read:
8h18
